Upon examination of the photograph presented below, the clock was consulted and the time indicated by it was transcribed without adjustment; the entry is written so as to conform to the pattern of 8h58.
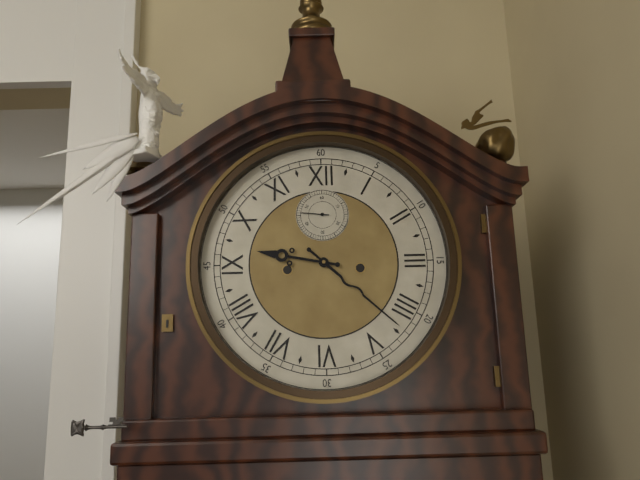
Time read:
9h22
